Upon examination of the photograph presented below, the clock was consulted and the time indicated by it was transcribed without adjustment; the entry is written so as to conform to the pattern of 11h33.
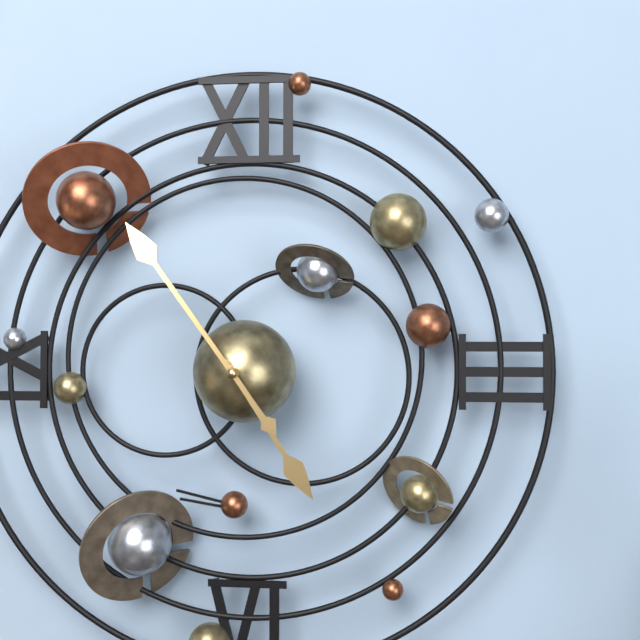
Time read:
4h54
